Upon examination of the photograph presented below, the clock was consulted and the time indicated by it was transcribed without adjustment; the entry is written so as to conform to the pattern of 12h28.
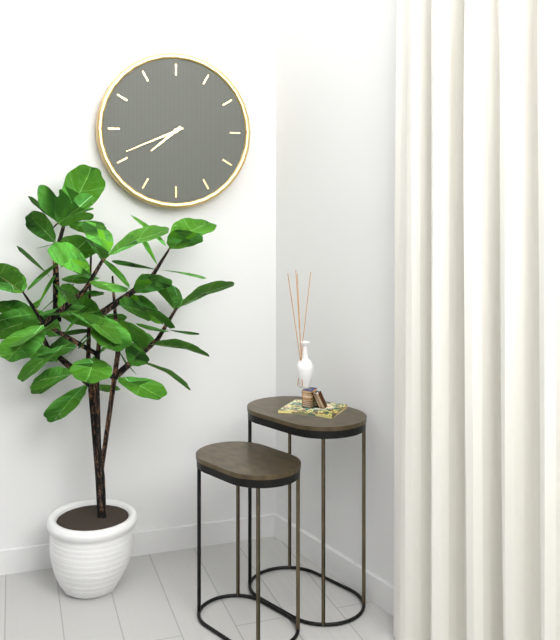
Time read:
7h41
